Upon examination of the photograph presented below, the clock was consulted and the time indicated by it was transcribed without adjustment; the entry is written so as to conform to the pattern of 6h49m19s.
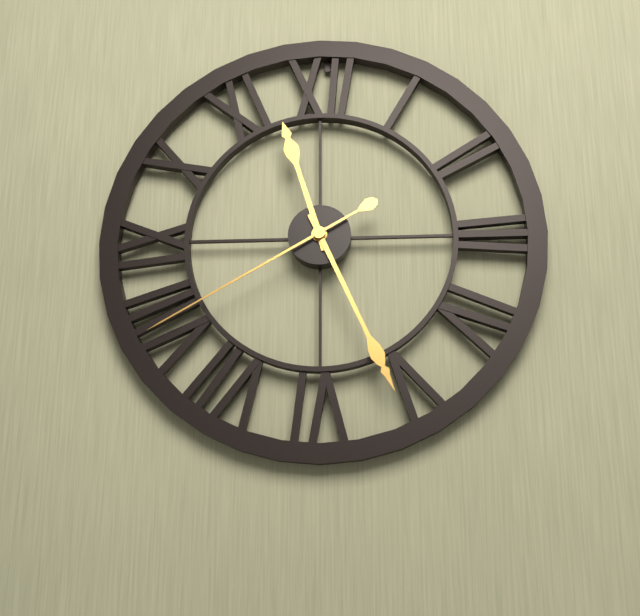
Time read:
11h26m40s
